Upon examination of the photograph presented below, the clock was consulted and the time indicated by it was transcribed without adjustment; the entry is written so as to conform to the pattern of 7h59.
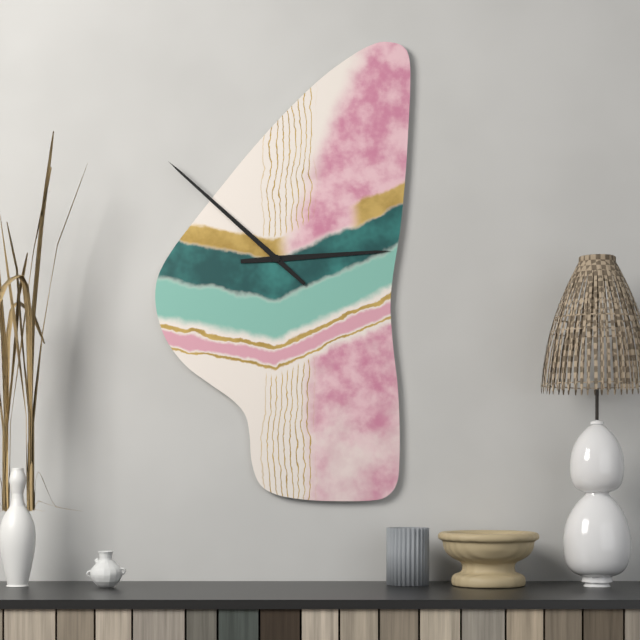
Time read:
2h52
